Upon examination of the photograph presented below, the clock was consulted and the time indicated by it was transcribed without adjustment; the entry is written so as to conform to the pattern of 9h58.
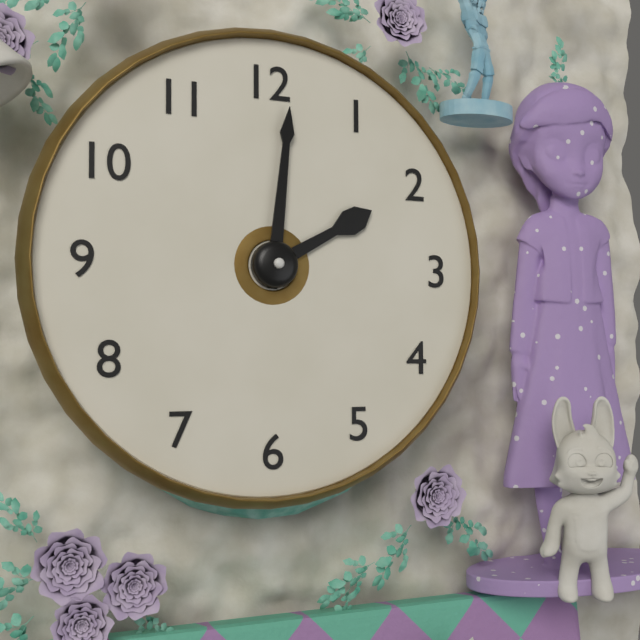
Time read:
2h01
